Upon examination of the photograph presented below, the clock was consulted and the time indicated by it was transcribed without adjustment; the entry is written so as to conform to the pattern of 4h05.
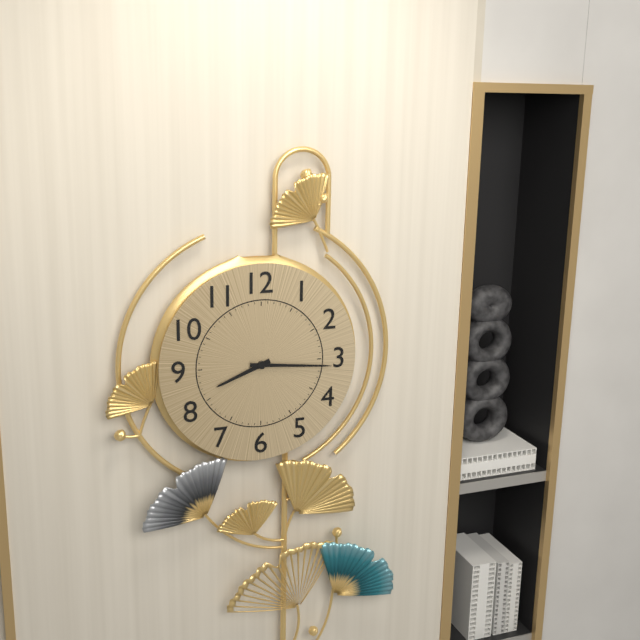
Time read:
8h16
